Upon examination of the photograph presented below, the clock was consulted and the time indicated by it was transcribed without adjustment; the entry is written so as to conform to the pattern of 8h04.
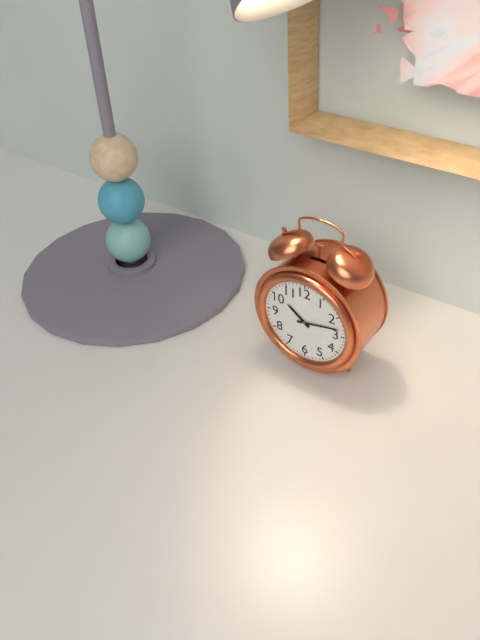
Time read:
10h13
